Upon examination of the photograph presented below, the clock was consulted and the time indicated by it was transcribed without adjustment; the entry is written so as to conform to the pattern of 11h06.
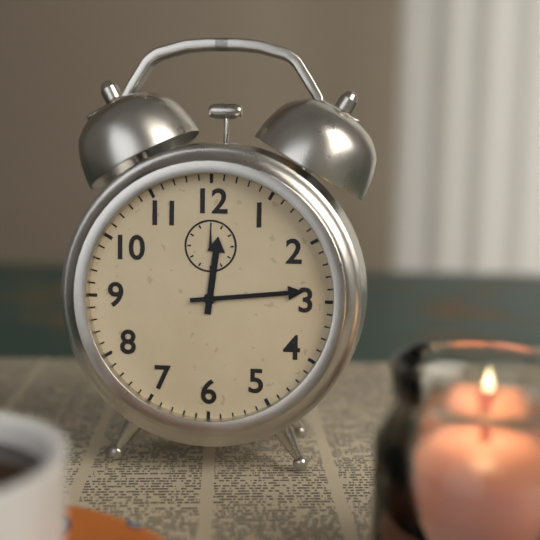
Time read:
12h14
